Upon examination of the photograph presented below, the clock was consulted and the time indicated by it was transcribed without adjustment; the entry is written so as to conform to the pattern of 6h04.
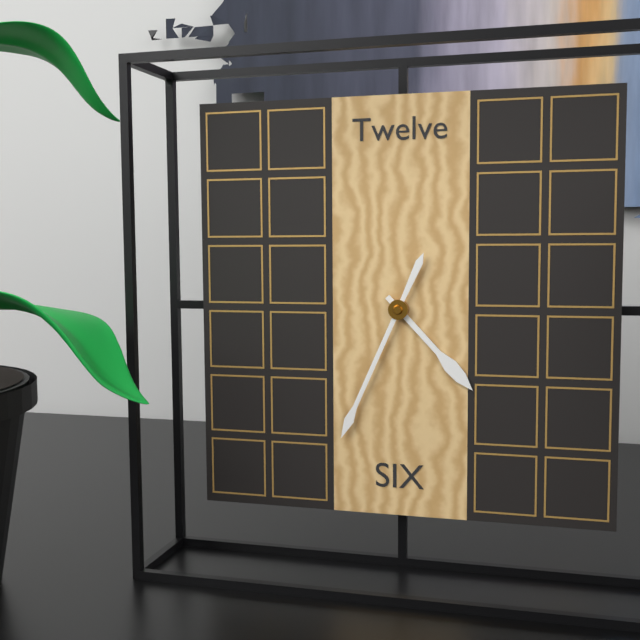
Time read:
4h34
